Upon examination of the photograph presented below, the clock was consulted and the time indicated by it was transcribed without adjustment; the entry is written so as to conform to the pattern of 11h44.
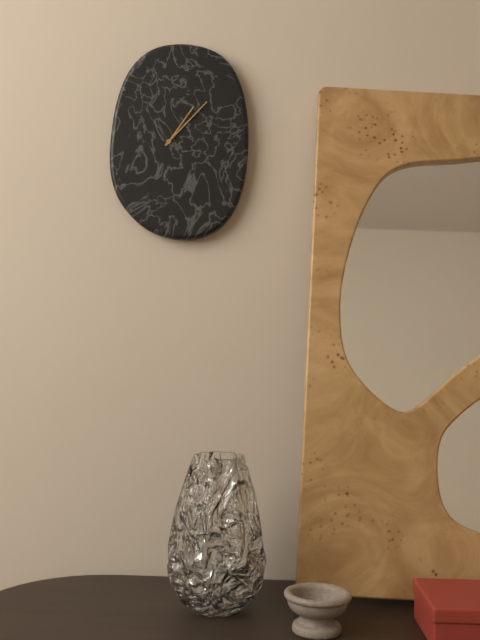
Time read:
1h07
